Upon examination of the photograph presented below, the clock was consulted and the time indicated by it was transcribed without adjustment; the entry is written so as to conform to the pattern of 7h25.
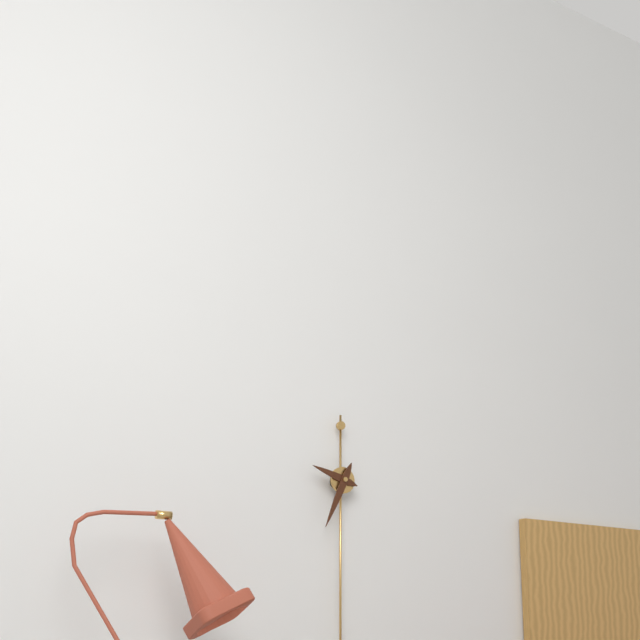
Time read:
9h34
